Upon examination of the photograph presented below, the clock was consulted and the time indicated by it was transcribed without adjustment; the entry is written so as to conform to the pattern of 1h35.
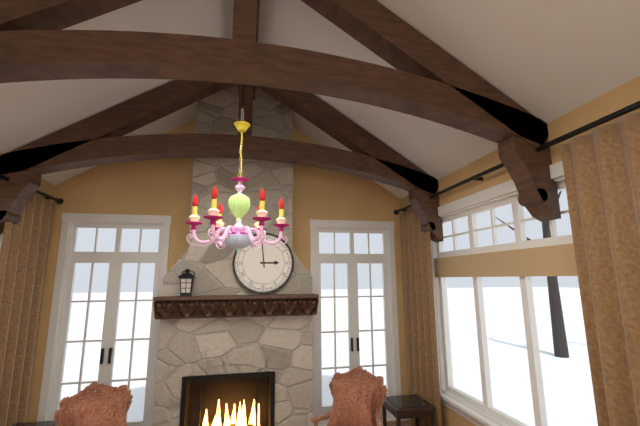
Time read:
2h59
